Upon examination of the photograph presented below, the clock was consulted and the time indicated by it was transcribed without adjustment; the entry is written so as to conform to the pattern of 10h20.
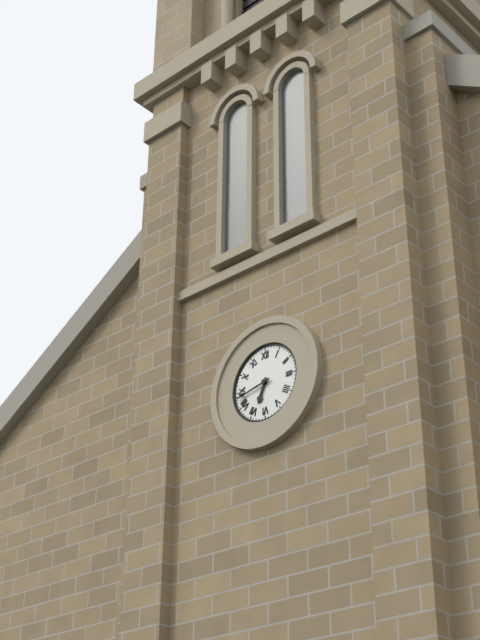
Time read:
6h43
